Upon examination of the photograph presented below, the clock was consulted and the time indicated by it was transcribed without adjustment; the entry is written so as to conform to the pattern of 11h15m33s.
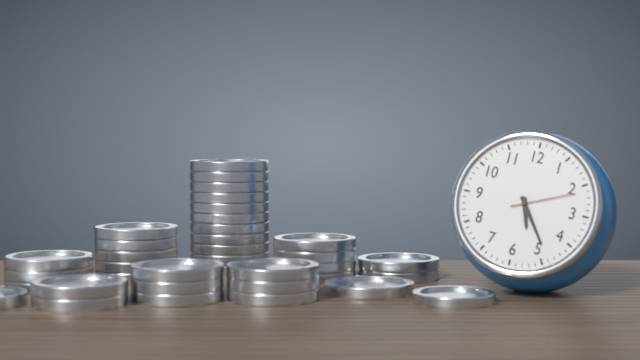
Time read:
5h24m11s
